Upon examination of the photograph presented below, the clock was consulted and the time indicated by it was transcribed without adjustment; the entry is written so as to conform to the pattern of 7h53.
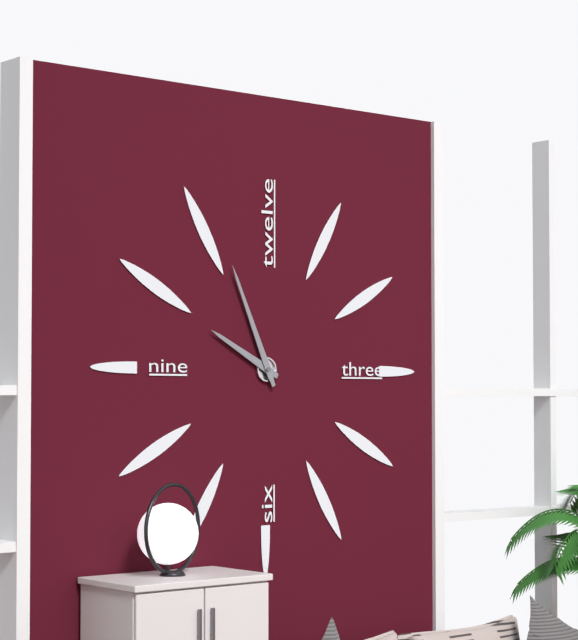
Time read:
9h56
